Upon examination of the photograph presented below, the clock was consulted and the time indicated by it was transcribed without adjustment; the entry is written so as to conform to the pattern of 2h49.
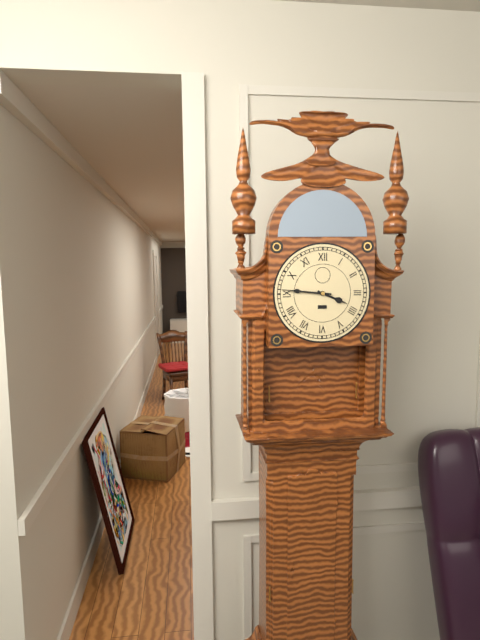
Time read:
3h46
